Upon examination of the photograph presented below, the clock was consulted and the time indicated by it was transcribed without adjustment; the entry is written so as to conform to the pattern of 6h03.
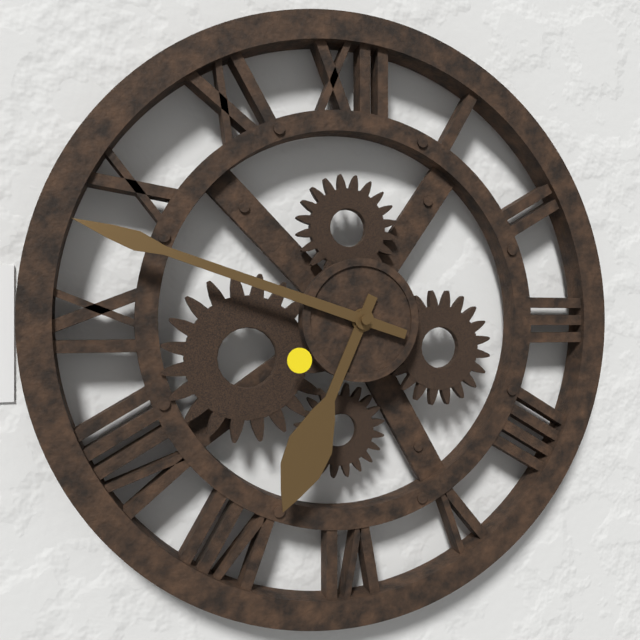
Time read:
6h48
